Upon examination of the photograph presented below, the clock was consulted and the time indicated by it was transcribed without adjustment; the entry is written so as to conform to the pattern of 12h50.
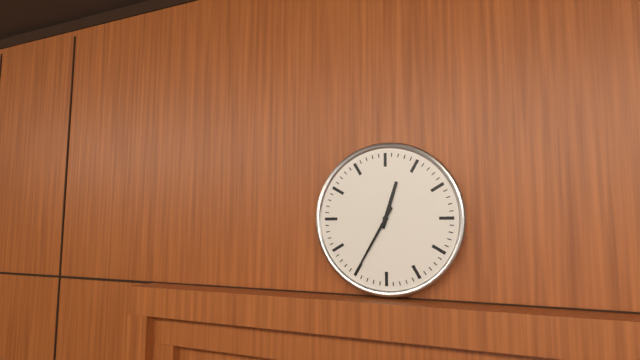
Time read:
12h35
